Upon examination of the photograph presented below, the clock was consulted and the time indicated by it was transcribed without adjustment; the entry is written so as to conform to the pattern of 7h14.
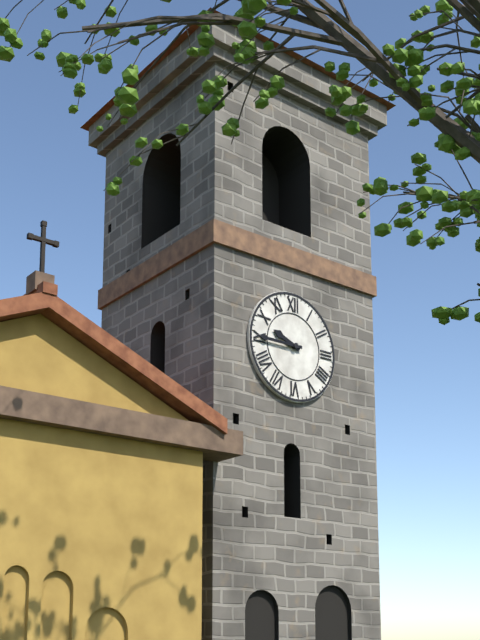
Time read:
9h45
